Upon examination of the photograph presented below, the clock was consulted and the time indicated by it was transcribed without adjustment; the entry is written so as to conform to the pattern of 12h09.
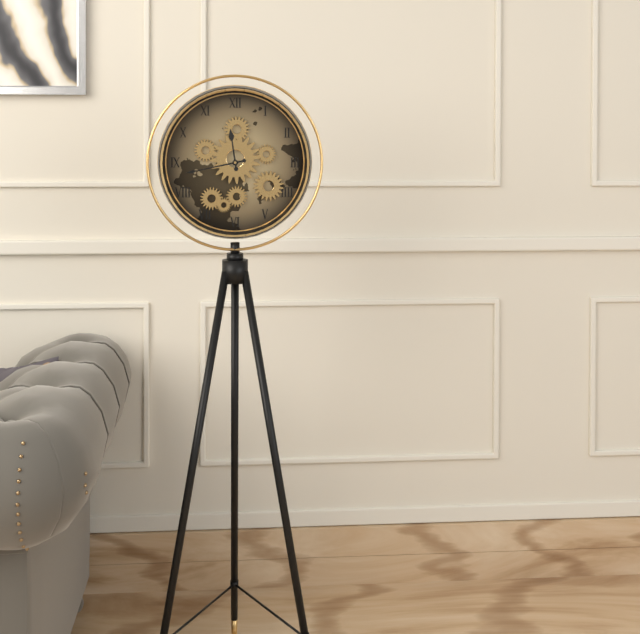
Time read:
11h43
